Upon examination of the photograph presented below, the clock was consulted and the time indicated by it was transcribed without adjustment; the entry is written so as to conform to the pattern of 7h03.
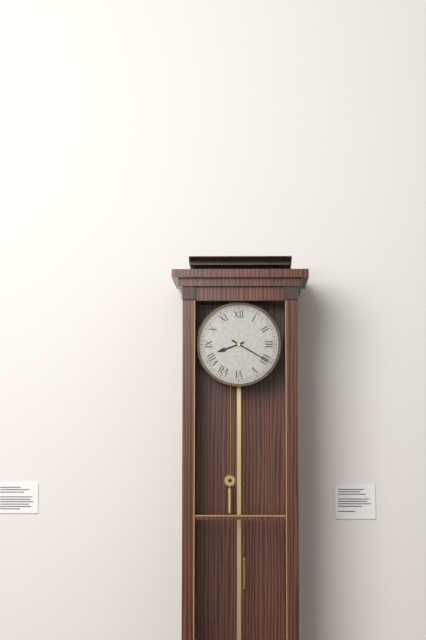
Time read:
8h20
